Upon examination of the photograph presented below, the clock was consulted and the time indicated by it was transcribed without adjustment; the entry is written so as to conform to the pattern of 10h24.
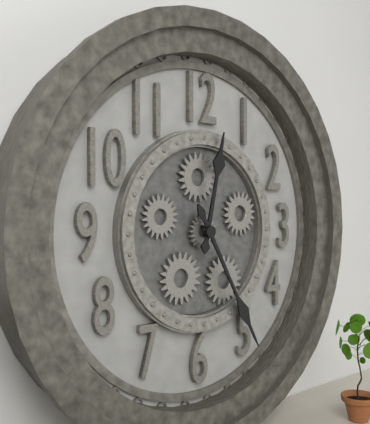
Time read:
12h25
